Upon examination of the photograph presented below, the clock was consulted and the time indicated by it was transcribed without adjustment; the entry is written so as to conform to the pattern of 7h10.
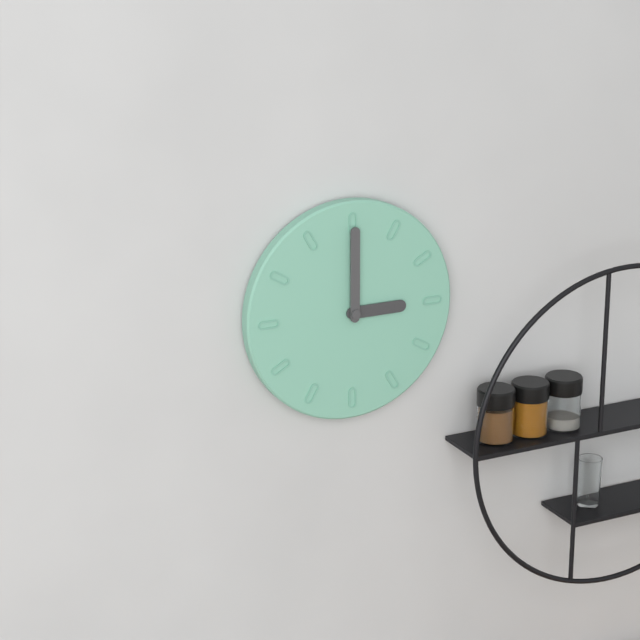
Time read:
3h00
